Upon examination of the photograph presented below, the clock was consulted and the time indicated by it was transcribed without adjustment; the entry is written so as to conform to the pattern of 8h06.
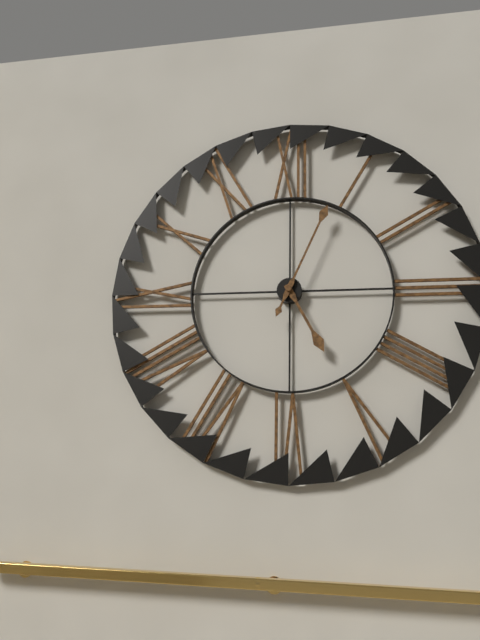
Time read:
5h04
